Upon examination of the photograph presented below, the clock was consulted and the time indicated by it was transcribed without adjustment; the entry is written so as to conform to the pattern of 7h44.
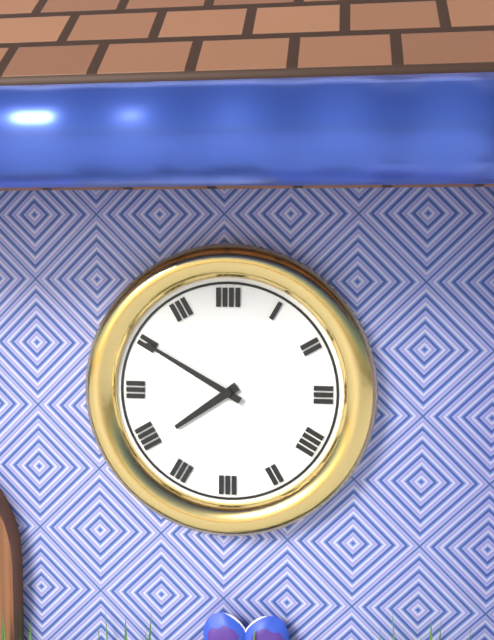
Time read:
7h50
